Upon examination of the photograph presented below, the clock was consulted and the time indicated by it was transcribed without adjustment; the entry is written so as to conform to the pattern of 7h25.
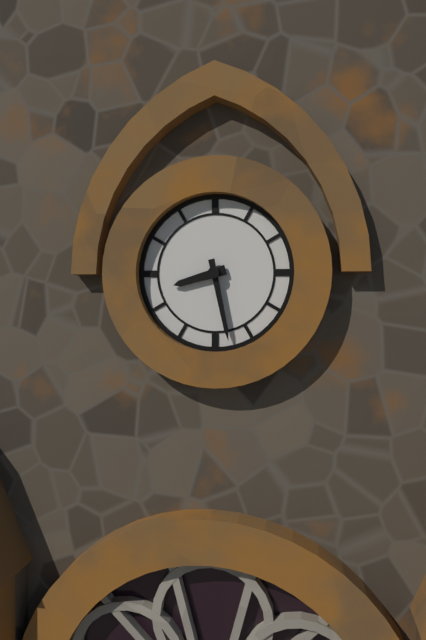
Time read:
8h28
